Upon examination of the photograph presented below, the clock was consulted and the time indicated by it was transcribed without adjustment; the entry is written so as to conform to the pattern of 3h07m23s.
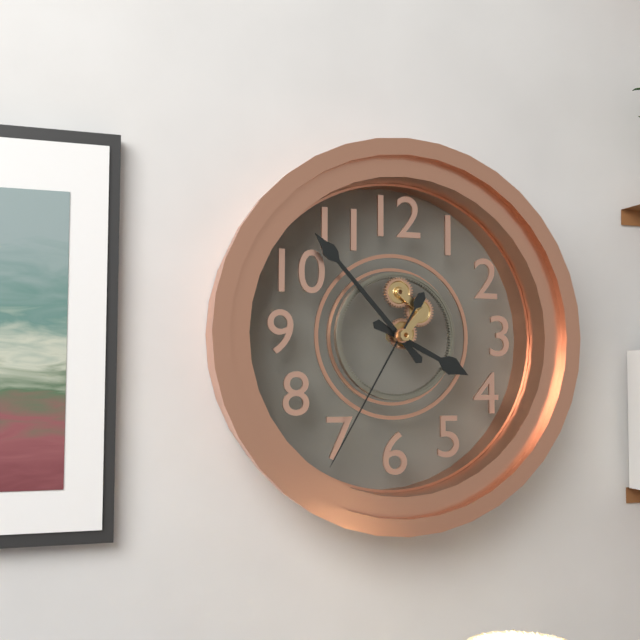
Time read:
3h53m35s
